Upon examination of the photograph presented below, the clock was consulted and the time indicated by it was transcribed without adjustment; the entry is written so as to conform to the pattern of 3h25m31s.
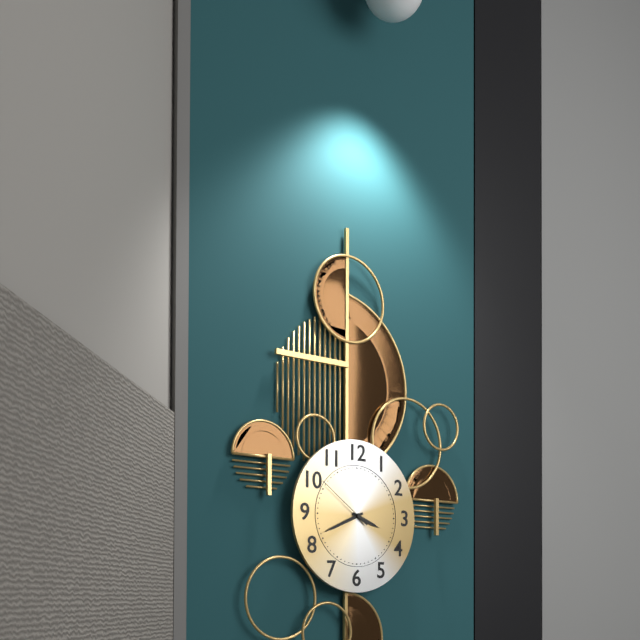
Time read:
3h41m51s
